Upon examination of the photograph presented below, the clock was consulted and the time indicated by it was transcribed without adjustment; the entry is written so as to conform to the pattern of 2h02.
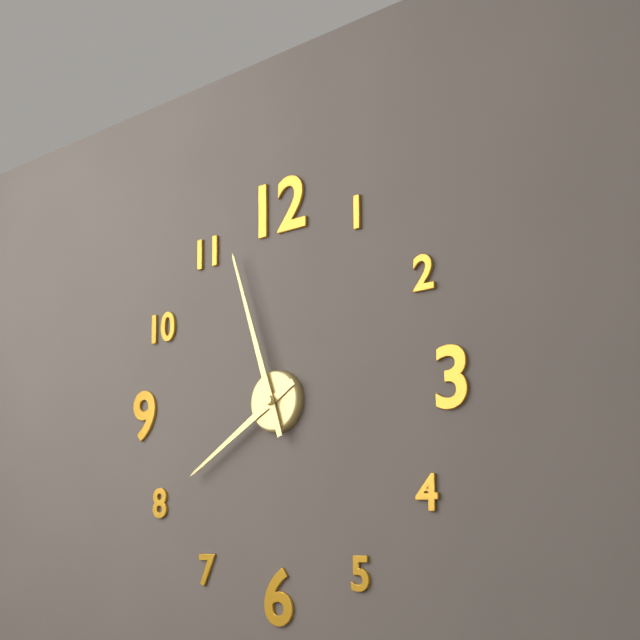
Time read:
7h57
